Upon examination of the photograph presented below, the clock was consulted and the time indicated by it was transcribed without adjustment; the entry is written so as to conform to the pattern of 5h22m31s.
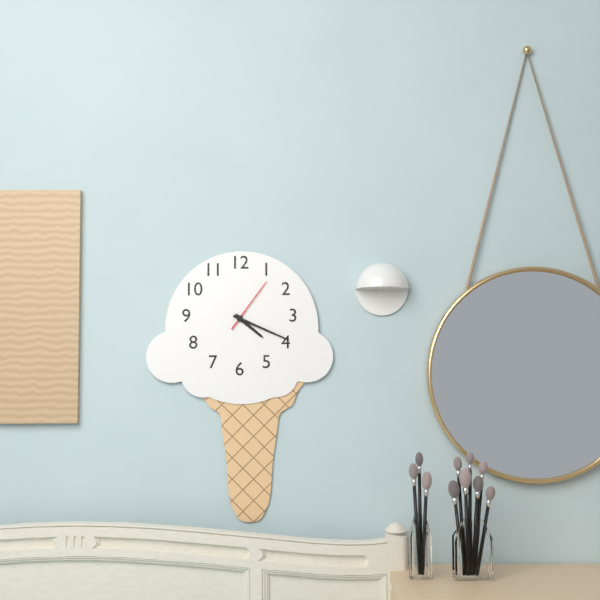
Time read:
4h19m06s
